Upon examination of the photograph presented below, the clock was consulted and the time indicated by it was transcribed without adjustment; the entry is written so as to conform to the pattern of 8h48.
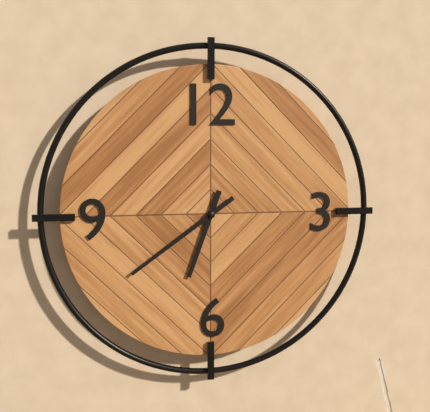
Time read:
6h39
